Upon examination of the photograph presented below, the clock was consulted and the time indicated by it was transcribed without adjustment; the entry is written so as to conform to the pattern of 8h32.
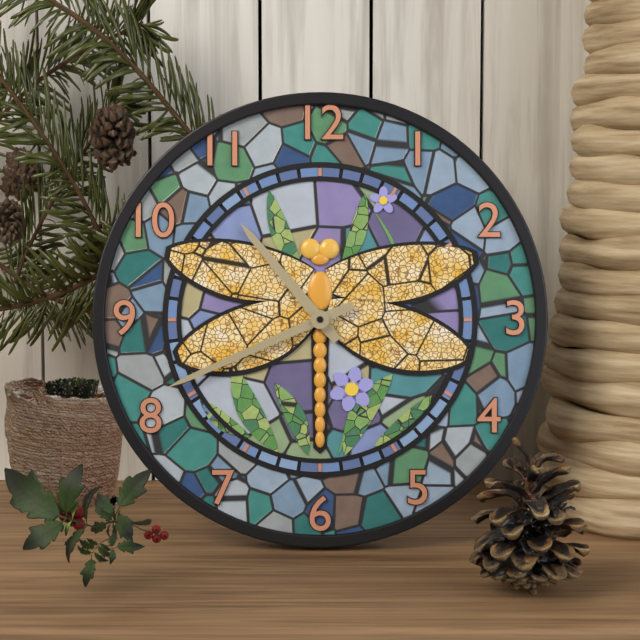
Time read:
10h41
